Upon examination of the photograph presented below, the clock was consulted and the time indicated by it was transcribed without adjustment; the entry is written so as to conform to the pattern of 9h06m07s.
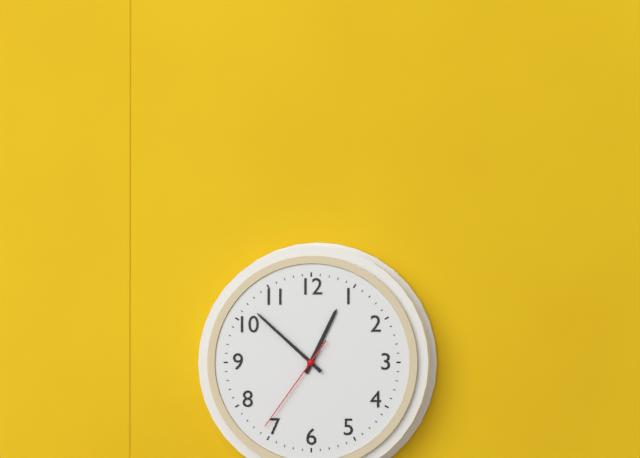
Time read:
12h52m36s
